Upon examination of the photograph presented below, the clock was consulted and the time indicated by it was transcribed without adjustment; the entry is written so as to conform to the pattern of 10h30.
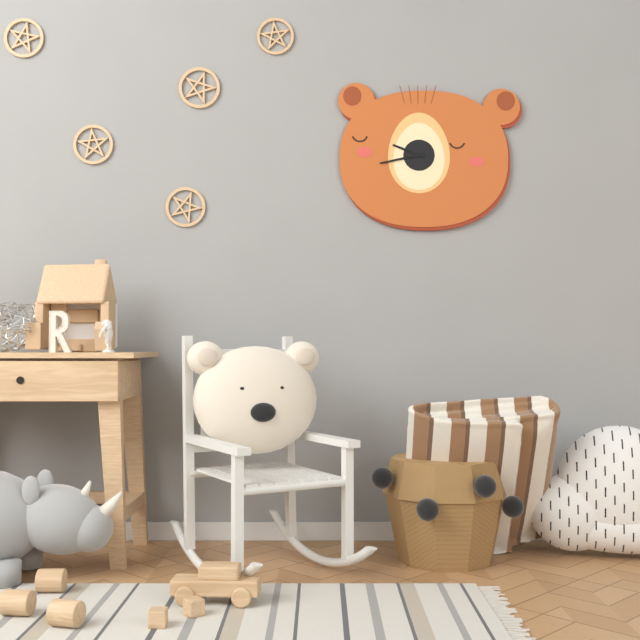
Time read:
9h43
